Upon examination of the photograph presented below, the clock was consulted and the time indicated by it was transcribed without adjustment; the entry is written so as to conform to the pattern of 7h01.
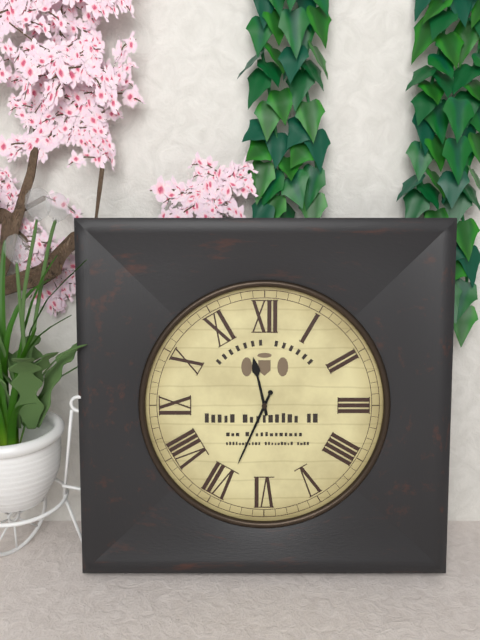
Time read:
11h34
